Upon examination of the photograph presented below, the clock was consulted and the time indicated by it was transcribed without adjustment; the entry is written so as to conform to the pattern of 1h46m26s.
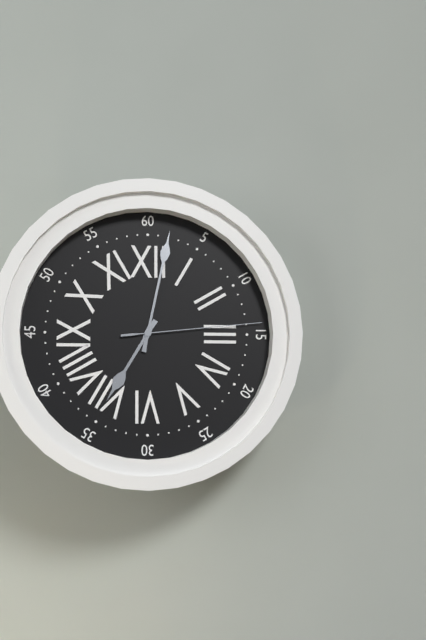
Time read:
7h02m14s
